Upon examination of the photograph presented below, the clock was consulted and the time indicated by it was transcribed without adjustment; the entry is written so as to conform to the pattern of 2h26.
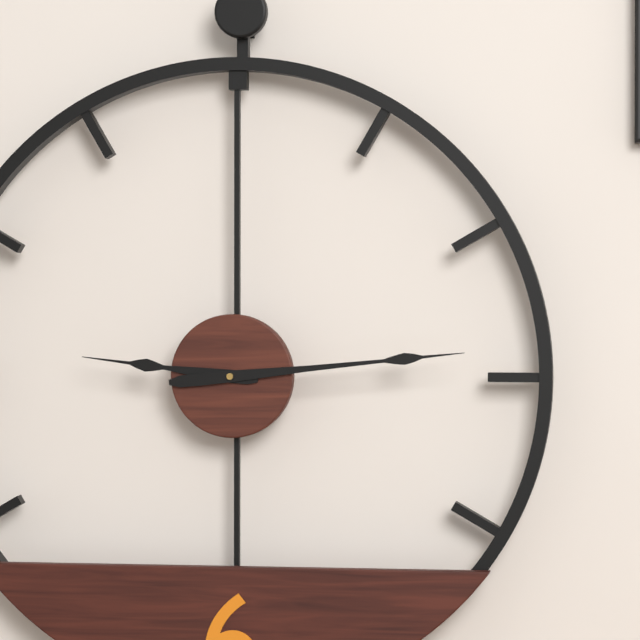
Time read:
9h14
